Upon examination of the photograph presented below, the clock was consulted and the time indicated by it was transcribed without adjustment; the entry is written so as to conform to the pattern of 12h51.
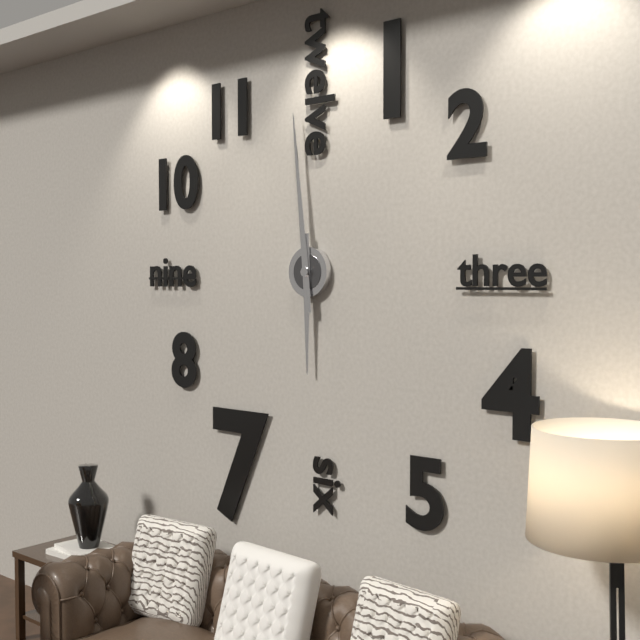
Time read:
5h59
